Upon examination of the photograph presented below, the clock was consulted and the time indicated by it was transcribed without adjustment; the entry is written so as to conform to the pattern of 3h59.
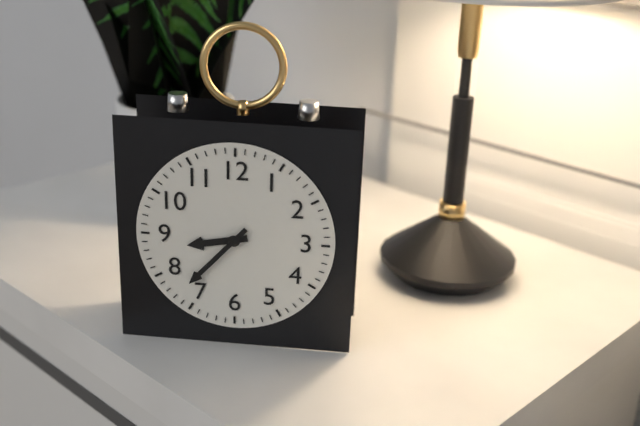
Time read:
8h37
